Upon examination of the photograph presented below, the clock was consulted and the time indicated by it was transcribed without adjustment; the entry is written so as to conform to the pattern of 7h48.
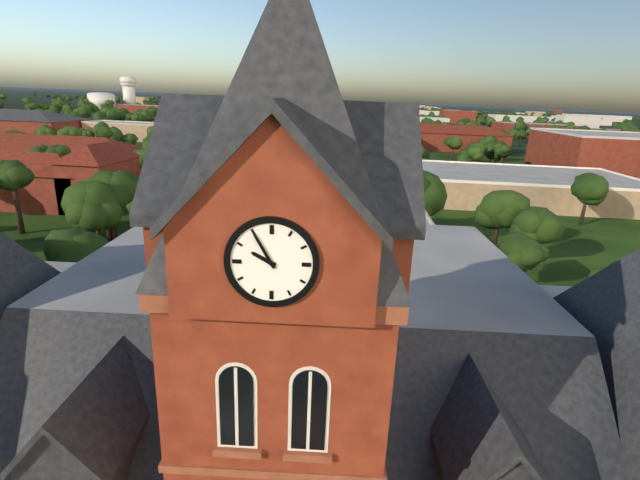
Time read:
9h55
